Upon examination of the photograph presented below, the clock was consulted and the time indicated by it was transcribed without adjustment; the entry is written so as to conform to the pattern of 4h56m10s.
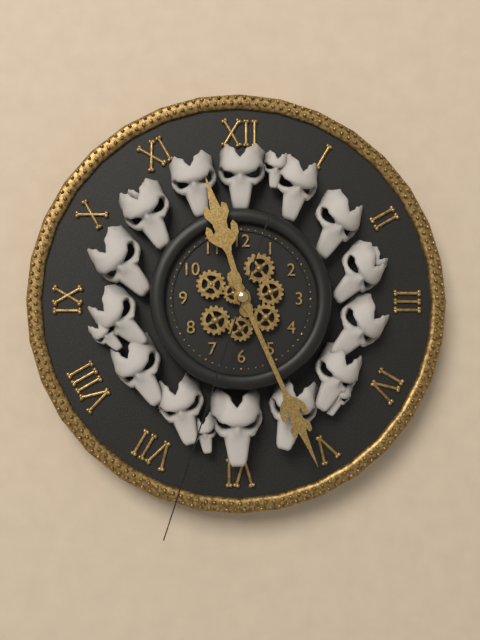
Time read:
11h26m33s
